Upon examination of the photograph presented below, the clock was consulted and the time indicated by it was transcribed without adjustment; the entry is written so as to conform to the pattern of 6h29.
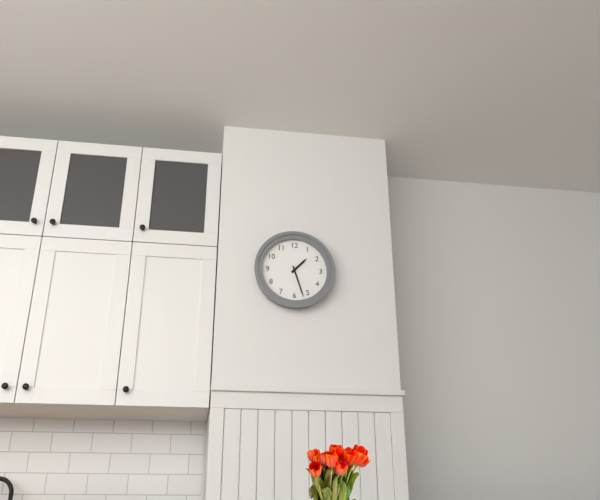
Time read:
1h27
